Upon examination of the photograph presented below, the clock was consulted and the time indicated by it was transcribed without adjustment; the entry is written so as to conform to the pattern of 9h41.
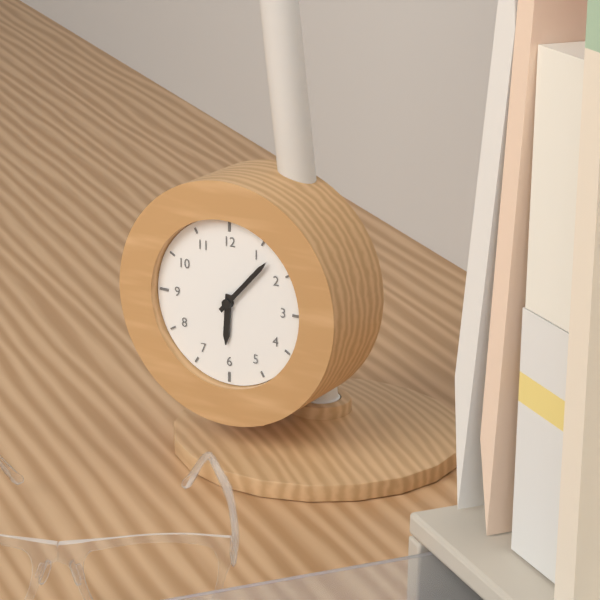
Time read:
6h07
